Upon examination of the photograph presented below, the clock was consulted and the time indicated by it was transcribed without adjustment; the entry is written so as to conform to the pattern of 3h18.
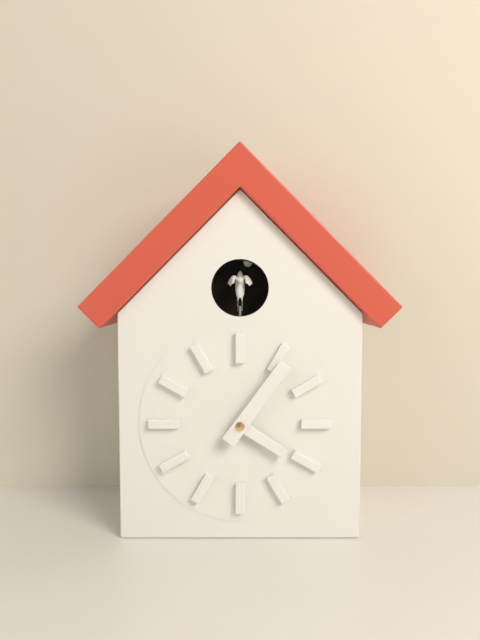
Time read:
4h06
